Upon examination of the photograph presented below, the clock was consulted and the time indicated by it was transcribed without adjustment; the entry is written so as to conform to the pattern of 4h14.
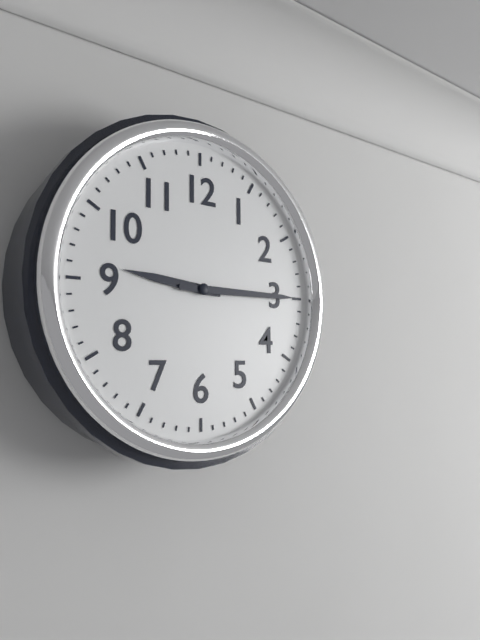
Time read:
9h15
